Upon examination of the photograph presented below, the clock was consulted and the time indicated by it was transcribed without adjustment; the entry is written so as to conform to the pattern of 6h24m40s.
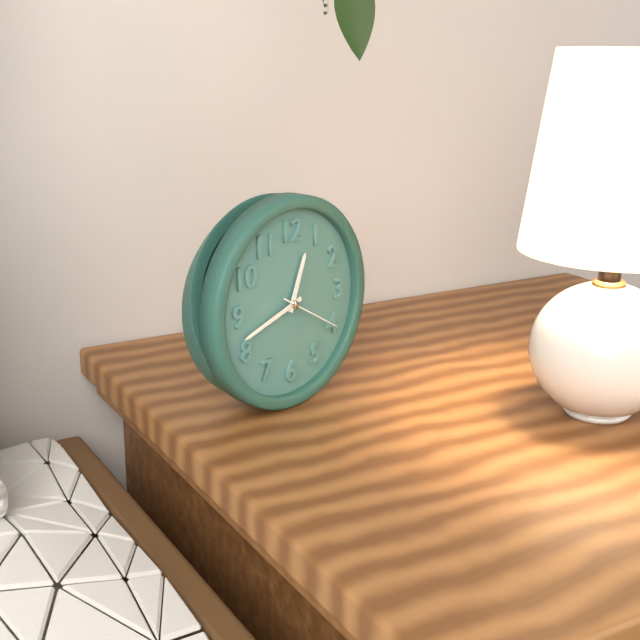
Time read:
12h42m20s
